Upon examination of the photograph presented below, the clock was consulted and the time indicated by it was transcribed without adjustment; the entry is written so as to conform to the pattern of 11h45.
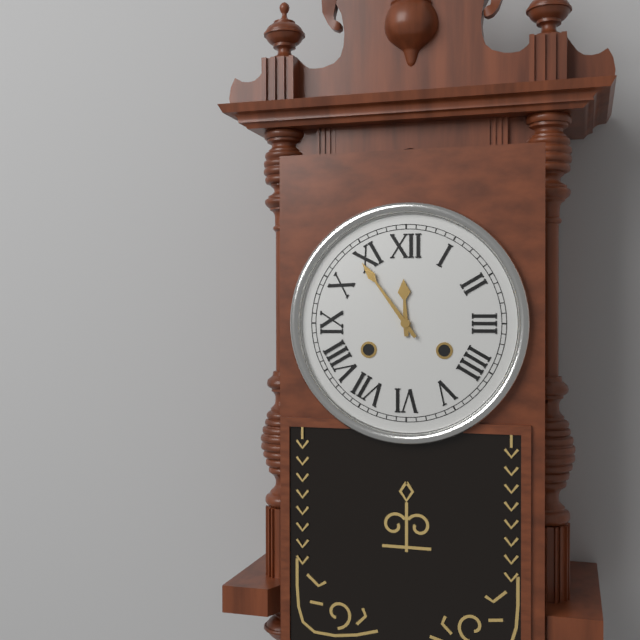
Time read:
11h54
